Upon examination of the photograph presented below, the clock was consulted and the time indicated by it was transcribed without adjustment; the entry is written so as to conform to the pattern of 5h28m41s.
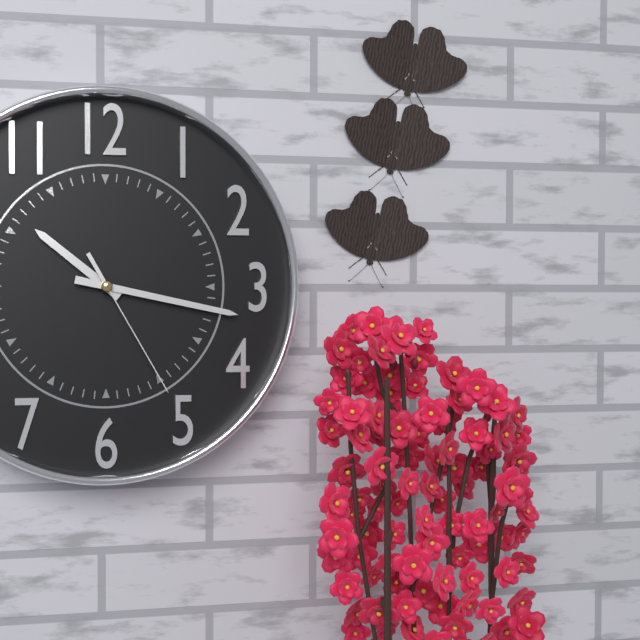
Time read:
10h17m25s
